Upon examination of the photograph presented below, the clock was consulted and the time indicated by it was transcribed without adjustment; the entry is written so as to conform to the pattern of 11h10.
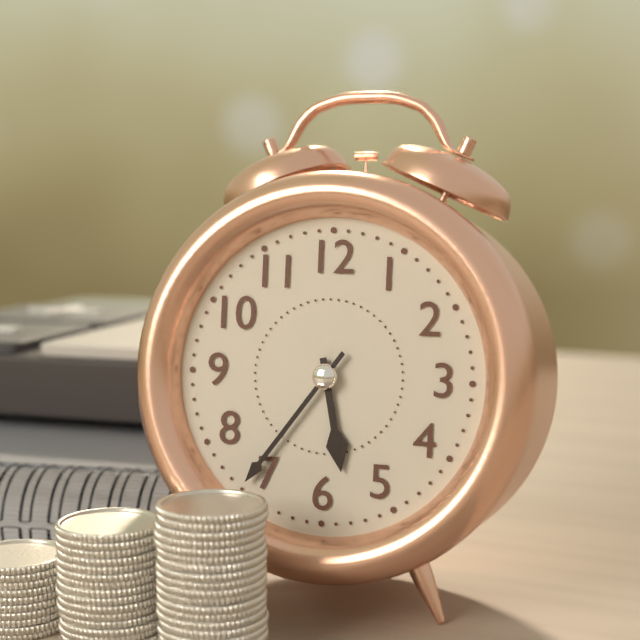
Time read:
5h36
